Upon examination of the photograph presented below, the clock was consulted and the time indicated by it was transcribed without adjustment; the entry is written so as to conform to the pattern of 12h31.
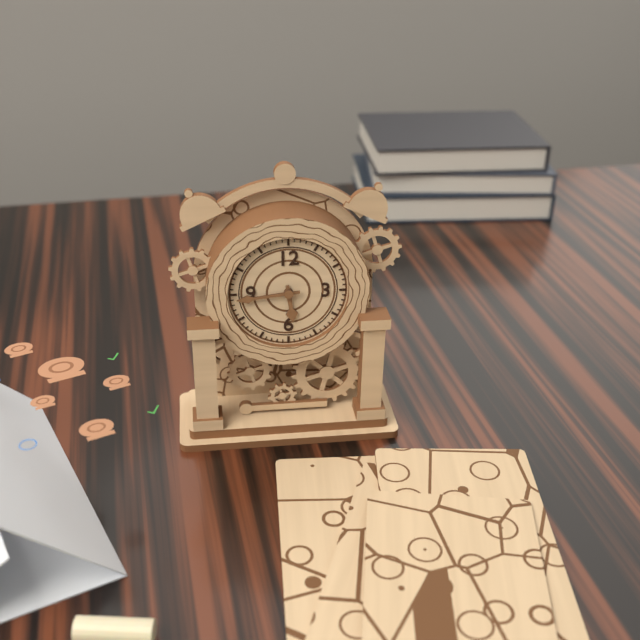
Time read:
5h44
